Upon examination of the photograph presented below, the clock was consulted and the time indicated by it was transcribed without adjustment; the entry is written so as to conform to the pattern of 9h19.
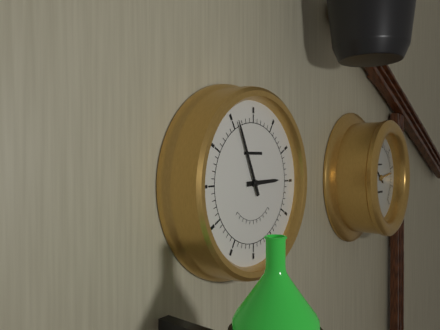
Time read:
2h56
